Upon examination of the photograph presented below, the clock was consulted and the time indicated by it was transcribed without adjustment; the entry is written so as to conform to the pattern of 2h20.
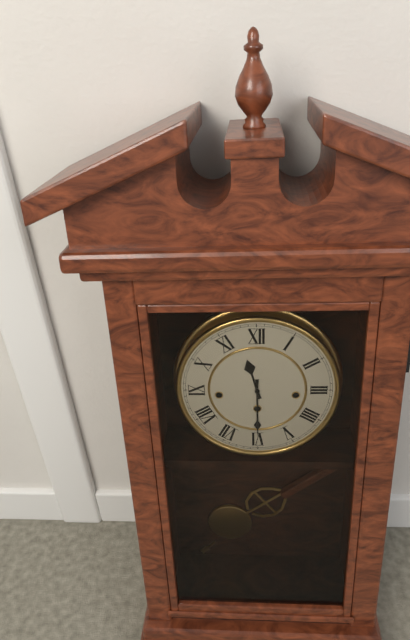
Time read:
11h30
